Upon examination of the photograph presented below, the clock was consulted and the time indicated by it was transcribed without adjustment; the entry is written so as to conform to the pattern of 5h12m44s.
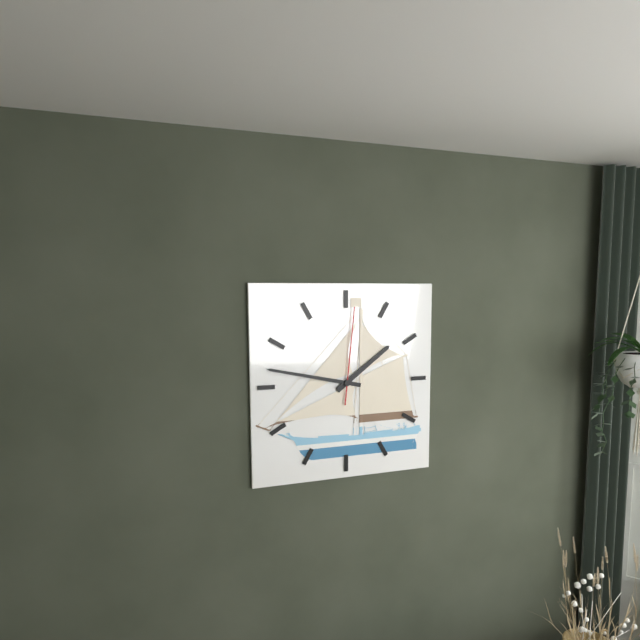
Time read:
1h47m01s
